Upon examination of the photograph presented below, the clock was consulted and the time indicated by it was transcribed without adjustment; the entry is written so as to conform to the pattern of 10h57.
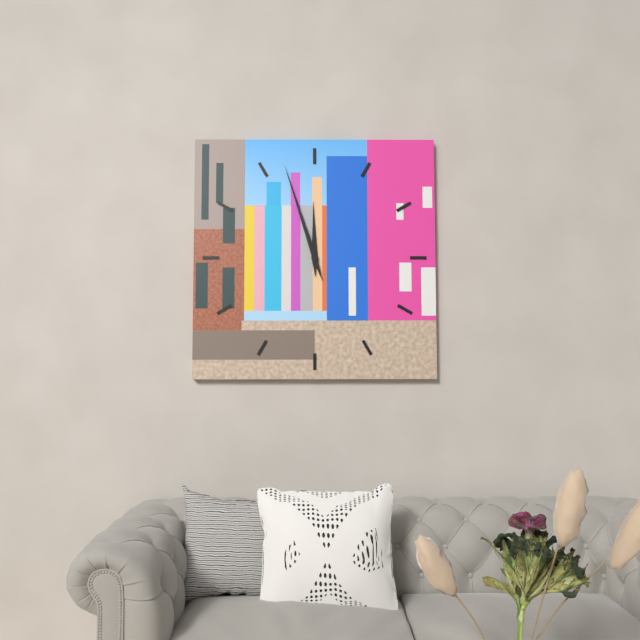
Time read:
11h57
